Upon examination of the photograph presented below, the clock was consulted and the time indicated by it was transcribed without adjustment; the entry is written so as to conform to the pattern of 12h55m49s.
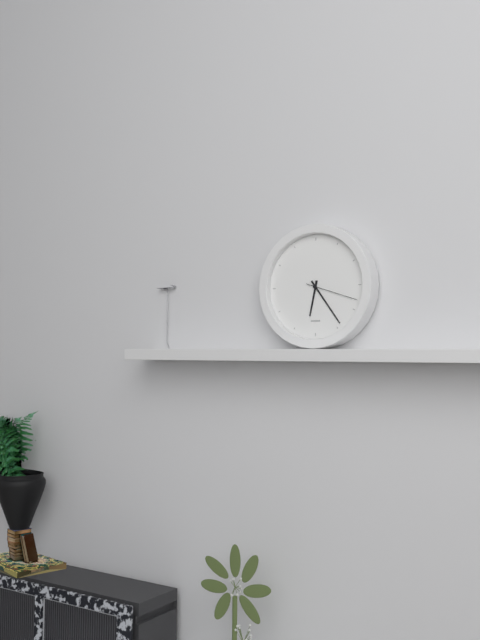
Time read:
6h24m18s
